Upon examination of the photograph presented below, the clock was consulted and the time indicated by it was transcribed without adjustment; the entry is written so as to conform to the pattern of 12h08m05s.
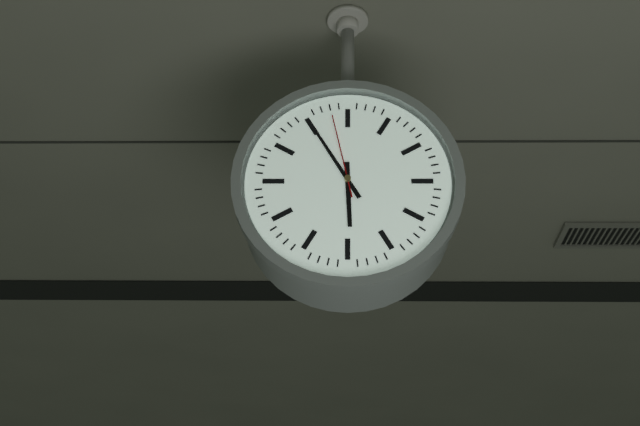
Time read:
5h55m58s
